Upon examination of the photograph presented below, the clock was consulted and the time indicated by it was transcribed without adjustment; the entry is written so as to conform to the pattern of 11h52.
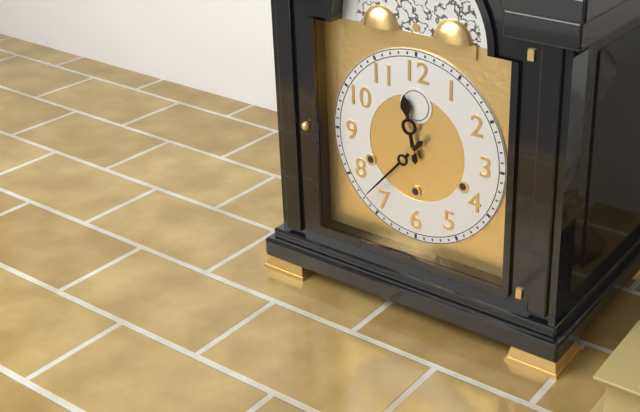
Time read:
11h37
